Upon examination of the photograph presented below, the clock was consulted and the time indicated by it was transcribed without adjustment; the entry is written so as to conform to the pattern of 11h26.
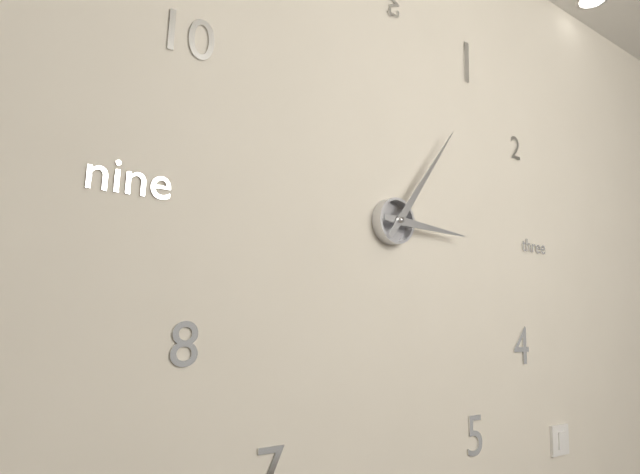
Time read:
3h06
